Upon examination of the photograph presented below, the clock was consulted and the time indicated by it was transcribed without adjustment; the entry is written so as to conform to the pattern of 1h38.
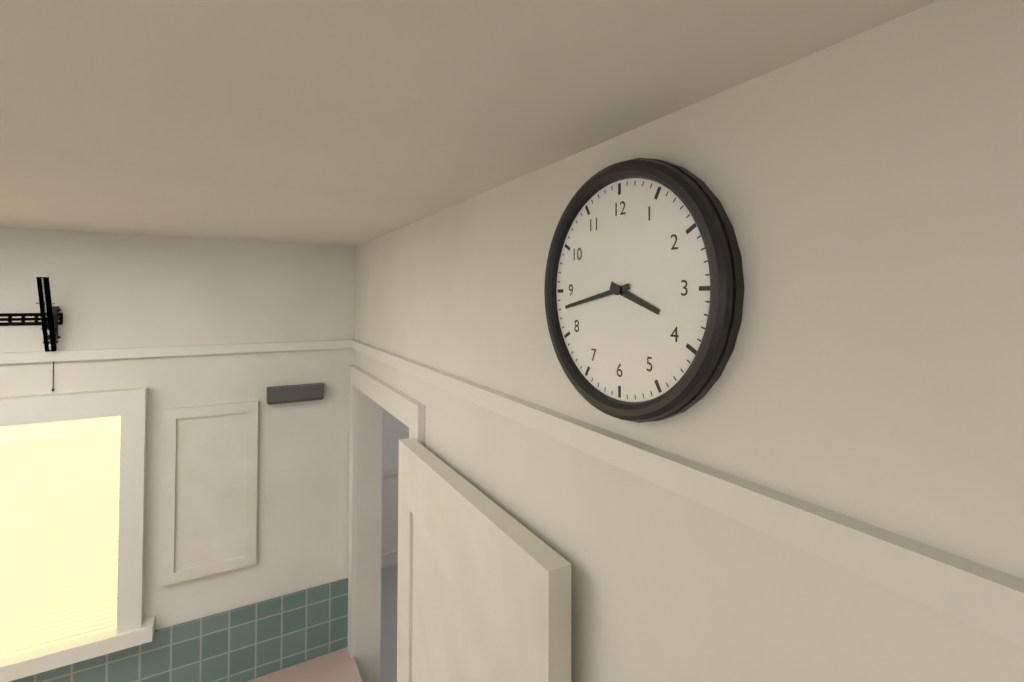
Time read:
3h43
